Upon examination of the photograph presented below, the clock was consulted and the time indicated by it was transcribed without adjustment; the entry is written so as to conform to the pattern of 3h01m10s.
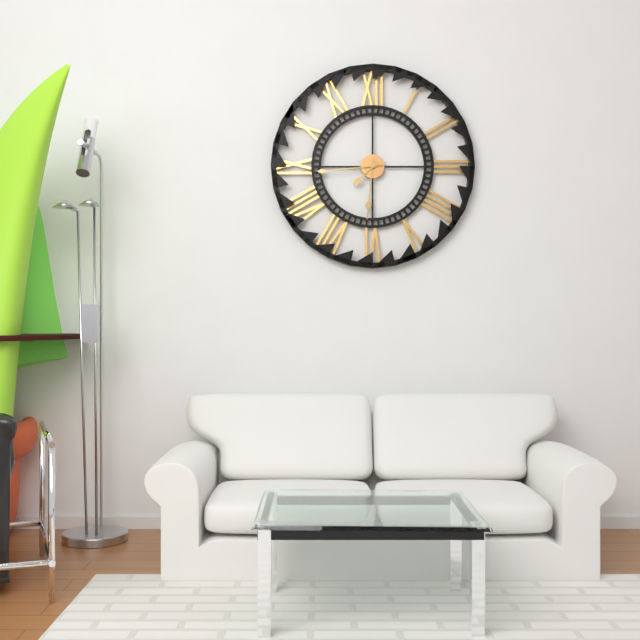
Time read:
7h31m44s
